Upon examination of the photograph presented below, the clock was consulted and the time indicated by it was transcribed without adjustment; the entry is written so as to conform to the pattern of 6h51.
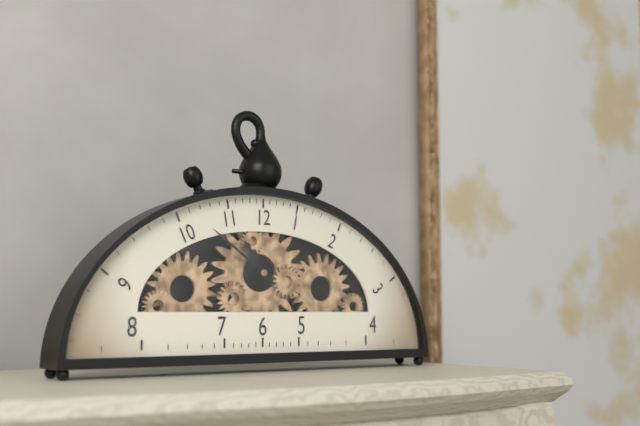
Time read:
10h51
